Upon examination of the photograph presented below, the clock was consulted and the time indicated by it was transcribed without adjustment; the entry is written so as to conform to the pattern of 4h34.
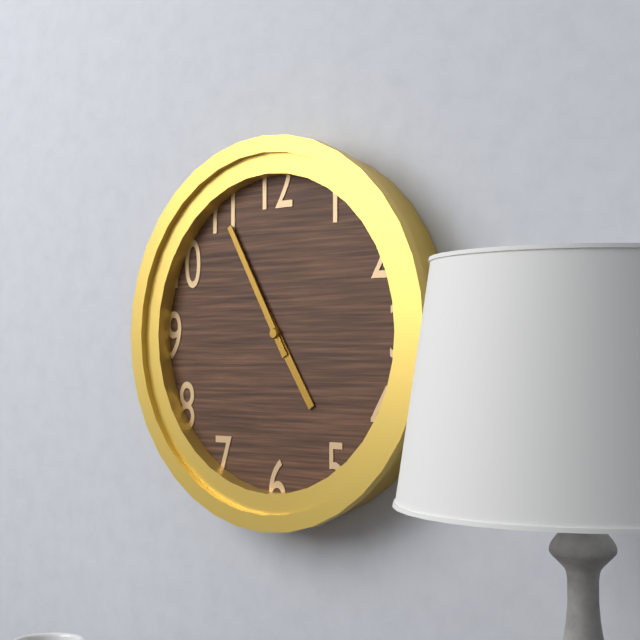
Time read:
4h55
